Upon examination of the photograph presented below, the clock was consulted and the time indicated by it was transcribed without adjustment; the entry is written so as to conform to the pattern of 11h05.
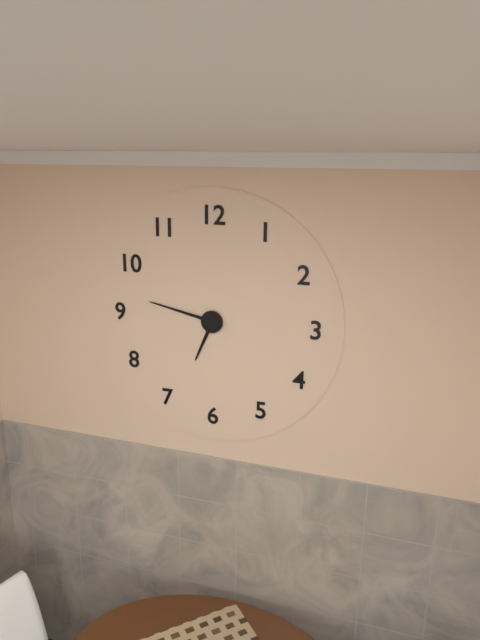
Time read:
6h47
